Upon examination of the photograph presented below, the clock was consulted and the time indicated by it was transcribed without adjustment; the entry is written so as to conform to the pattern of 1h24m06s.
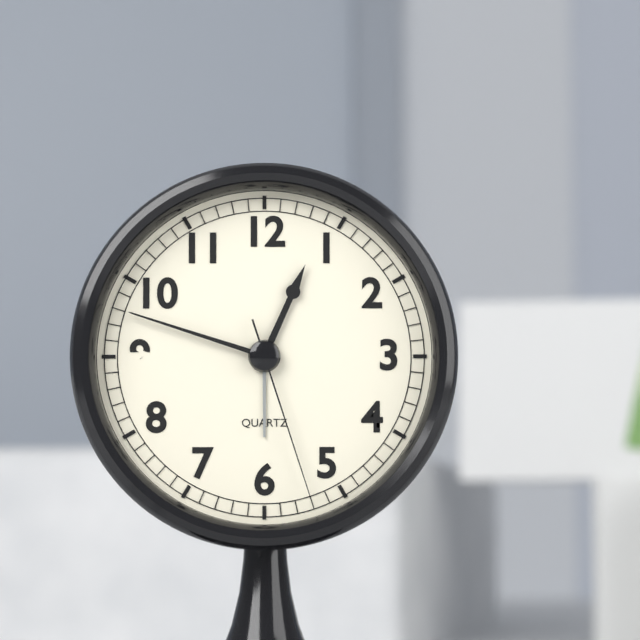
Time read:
12h48m27s
